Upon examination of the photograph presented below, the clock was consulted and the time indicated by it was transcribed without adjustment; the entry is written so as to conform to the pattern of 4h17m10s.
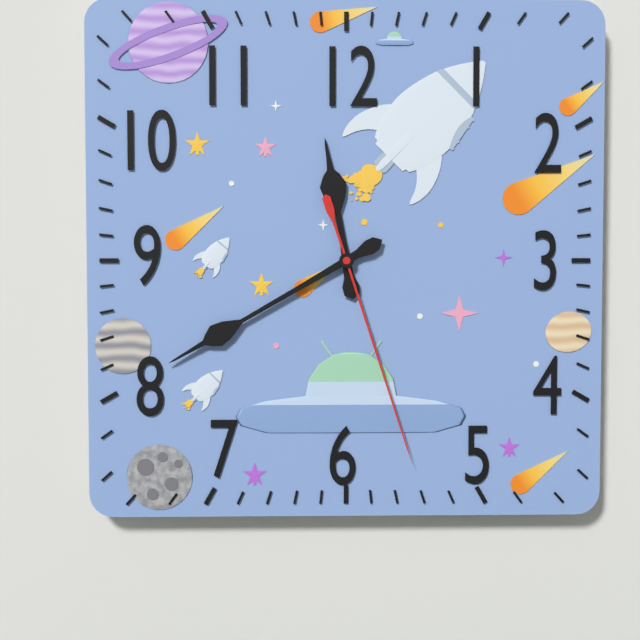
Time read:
11h40m27s
